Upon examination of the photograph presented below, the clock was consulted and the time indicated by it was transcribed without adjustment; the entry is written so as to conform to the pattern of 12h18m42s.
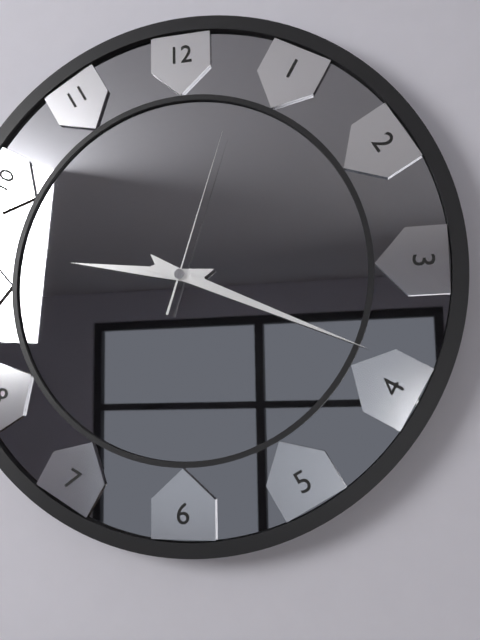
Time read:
9h19m03s
